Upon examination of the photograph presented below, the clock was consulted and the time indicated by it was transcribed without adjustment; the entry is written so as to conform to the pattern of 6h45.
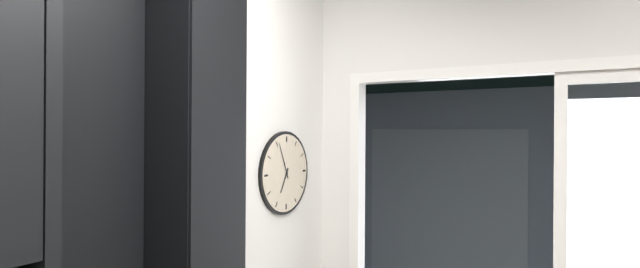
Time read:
6h56
